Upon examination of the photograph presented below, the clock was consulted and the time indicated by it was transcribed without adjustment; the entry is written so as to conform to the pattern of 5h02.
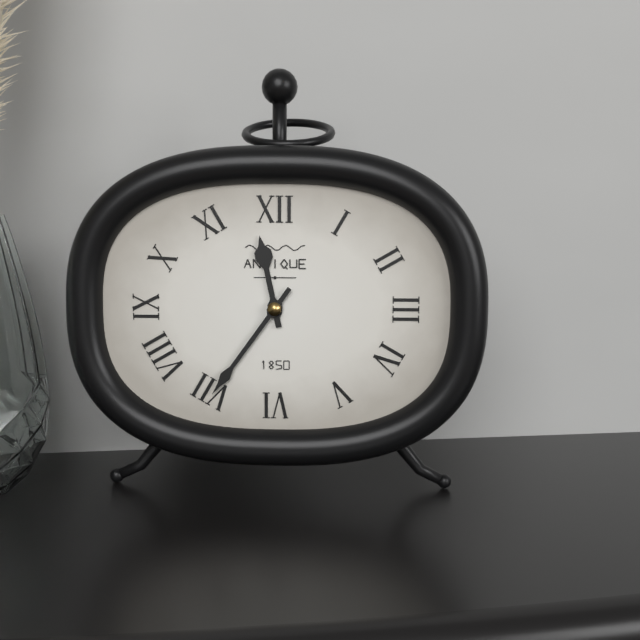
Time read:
11h36
